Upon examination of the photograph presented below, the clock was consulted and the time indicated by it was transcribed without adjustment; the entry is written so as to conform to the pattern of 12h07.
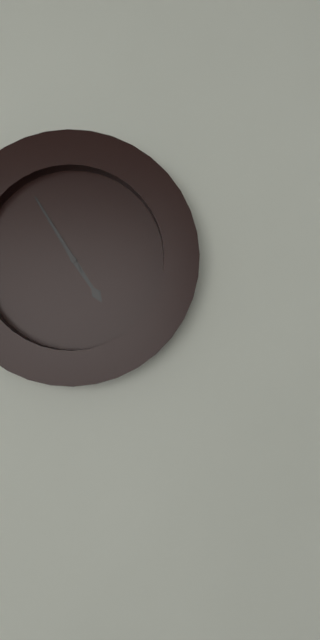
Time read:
4h55
